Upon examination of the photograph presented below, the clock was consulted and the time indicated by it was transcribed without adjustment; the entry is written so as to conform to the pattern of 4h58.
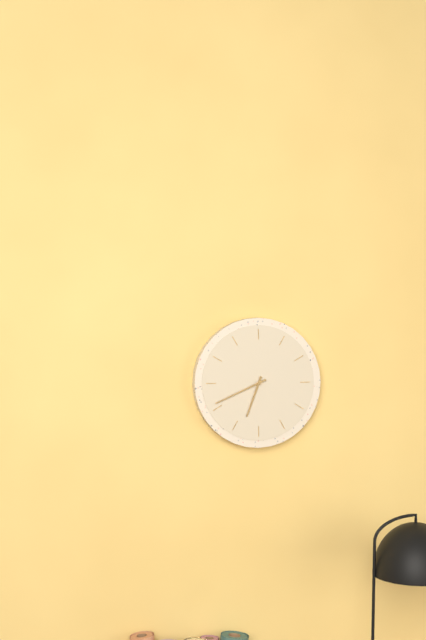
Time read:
6h41
